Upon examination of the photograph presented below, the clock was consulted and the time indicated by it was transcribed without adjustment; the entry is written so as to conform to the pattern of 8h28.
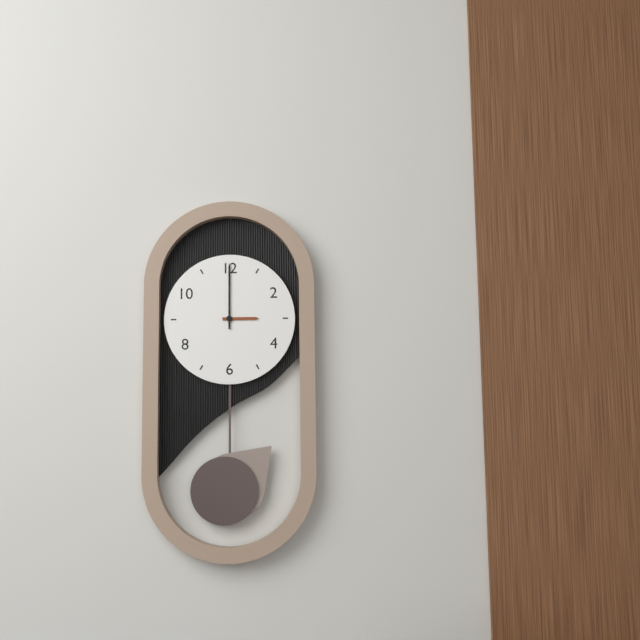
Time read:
3h00
